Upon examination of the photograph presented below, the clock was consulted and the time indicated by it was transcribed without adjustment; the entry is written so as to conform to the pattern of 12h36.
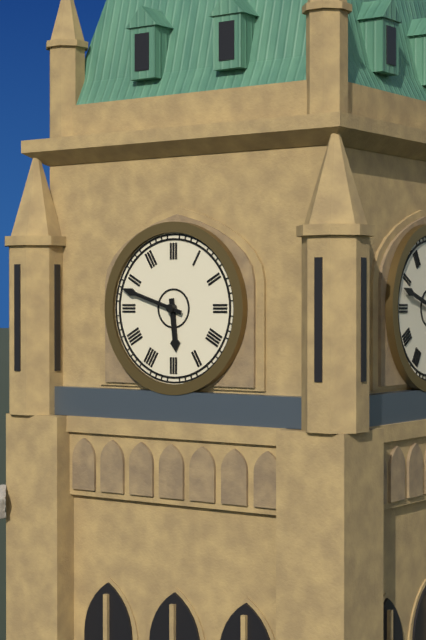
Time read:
5h48
